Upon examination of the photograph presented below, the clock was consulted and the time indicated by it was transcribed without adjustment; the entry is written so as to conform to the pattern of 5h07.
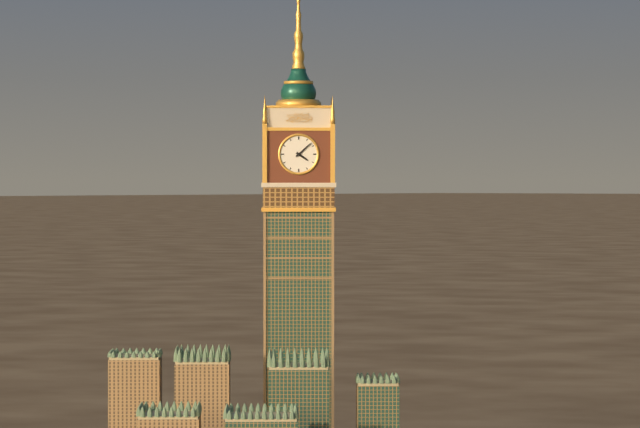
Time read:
4h08
